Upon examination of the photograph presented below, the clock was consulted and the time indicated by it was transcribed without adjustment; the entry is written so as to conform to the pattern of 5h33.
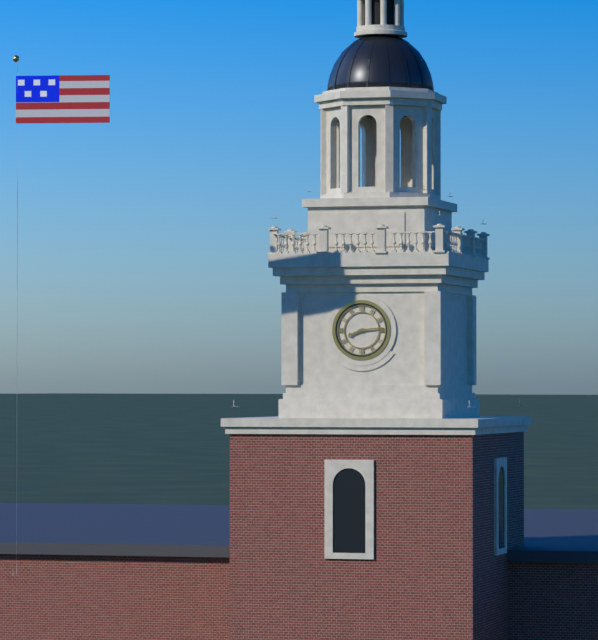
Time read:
8h14
